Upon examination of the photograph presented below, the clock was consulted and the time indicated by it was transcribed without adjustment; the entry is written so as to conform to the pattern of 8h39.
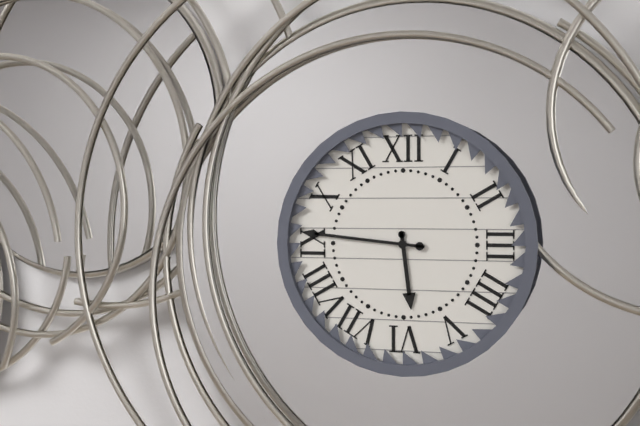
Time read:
5h46
